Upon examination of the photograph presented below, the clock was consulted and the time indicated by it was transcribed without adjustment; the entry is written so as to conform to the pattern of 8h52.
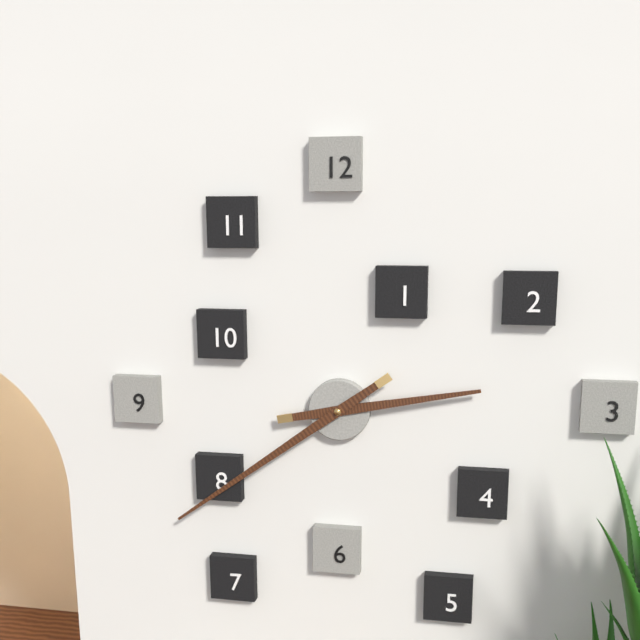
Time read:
2h39
